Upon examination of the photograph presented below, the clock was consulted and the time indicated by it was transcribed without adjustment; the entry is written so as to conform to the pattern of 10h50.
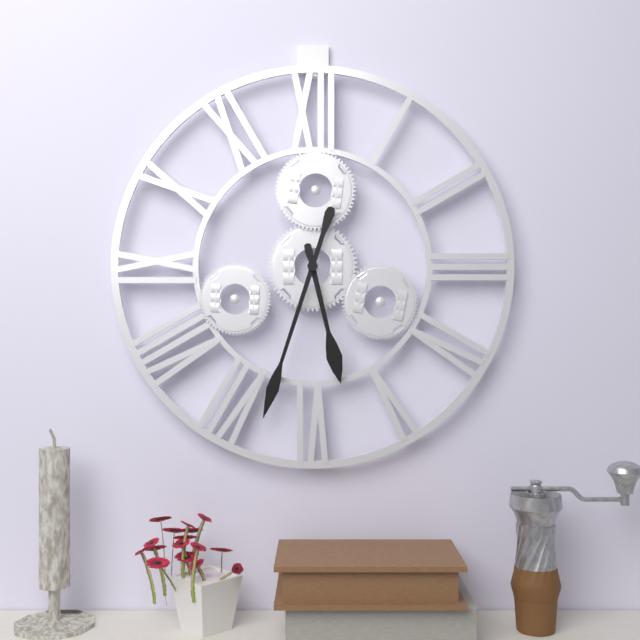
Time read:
5h33
